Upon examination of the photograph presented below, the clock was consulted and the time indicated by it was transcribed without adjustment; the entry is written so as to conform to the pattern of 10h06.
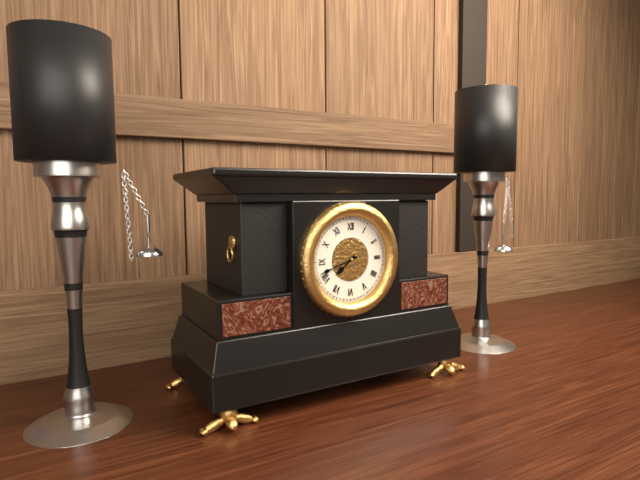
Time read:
7h42
